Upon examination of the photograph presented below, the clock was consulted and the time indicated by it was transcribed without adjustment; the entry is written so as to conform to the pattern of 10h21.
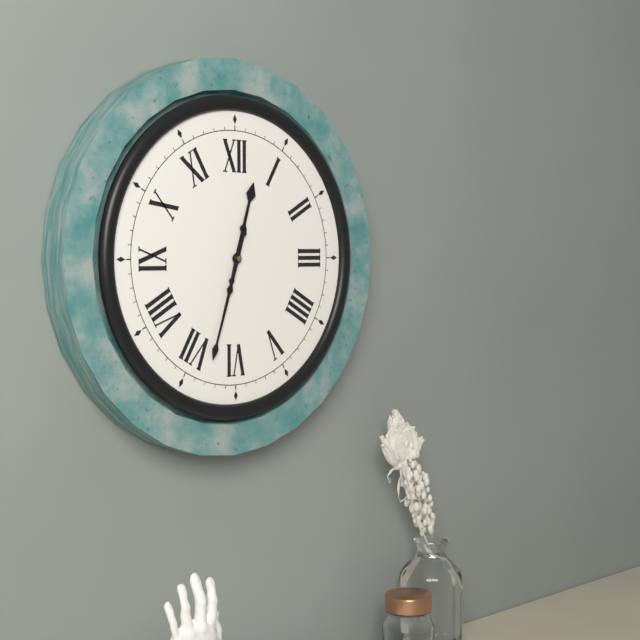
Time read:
12h33
